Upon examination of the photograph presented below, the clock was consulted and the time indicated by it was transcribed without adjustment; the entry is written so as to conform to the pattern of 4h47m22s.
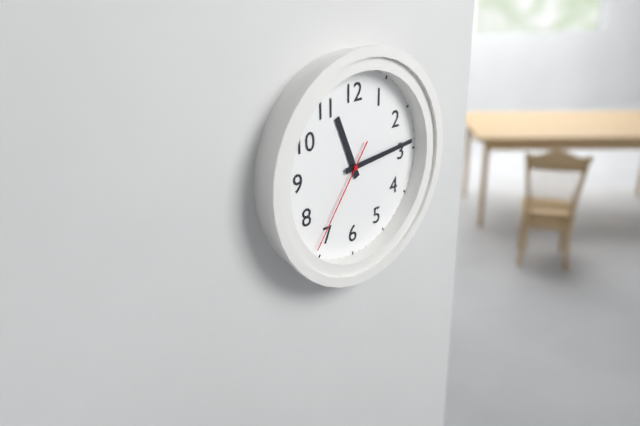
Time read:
11h14m36s
